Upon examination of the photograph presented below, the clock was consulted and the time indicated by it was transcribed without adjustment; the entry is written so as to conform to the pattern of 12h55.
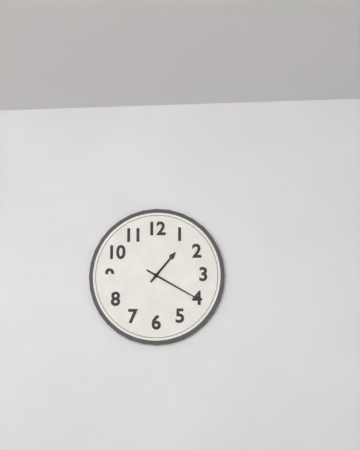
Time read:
1h20
